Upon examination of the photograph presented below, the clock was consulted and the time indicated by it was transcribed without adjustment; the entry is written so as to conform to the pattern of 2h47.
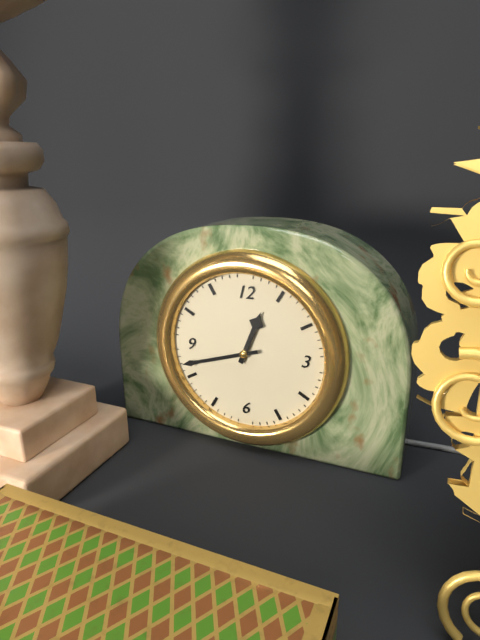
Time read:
12h42
